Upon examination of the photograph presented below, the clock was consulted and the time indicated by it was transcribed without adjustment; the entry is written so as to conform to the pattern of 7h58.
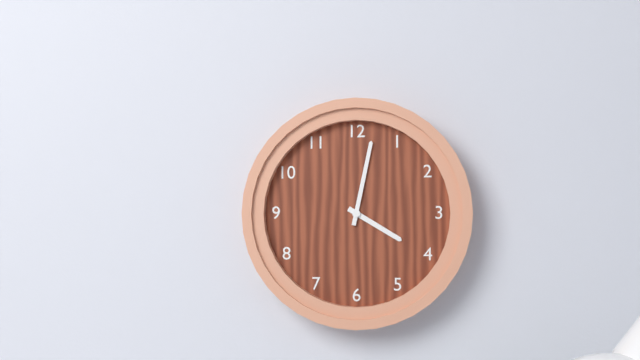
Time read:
4h02
